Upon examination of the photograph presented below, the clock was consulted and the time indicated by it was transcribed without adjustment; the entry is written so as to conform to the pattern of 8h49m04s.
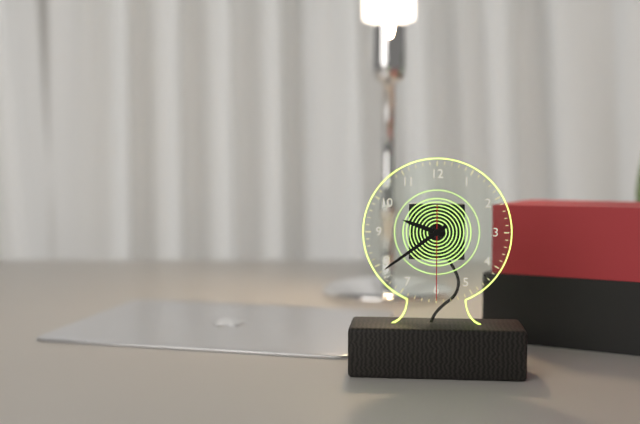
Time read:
9h39m30s
